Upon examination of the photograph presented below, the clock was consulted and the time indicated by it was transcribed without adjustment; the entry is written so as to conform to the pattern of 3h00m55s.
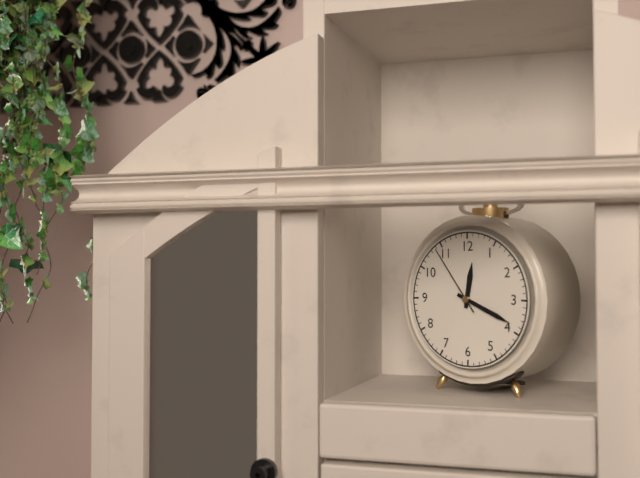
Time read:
12h19m54s
